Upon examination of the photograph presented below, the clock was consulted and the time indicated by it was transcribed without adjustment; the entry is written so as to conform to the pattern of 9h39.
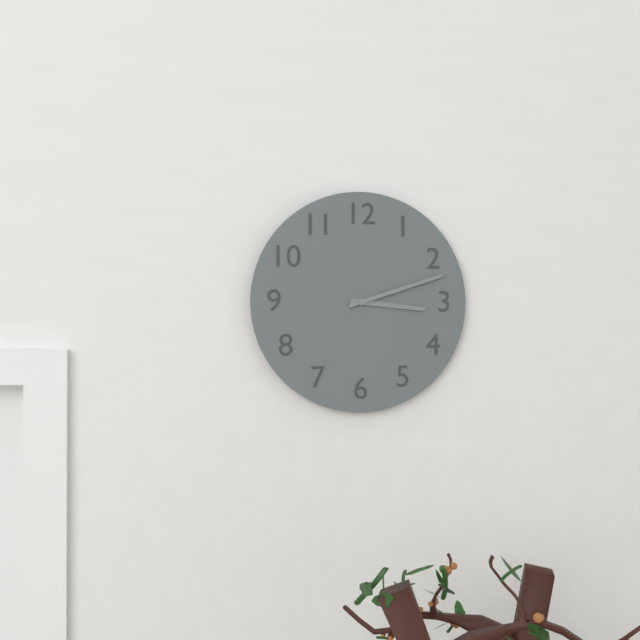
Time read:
3h12
